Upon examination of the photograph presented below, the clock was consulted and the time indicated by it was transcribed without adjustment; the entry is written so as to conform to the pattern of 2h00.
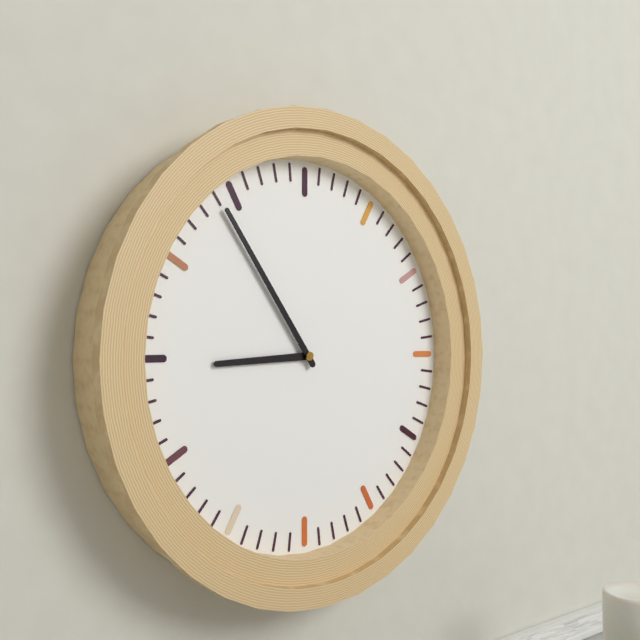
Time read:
8h54
